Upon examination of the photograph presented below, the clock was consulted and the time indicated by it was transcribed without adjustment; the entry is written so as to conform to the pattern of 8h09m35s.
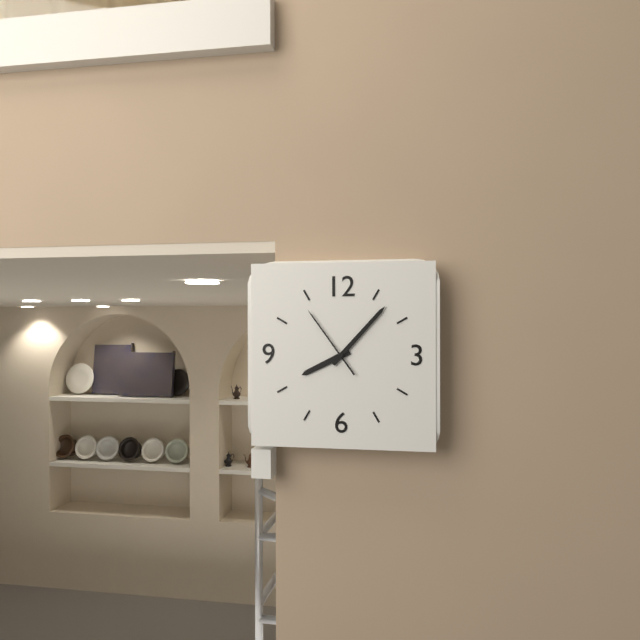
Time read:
8h07m54s
